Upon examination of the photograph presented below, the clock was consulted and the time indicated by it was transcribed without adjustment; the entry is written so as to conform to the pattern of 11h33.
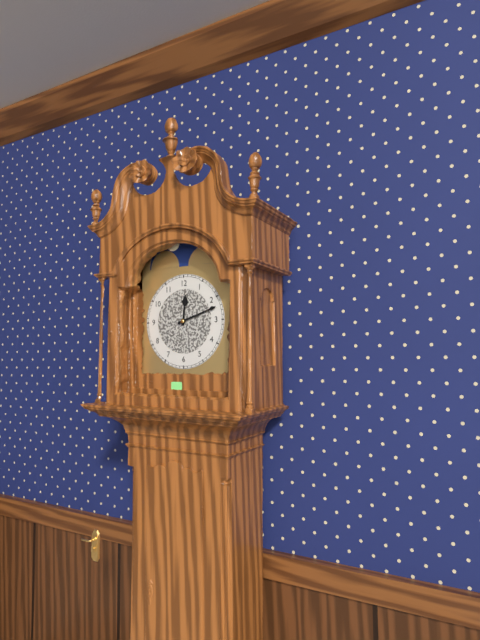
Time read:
12h12
